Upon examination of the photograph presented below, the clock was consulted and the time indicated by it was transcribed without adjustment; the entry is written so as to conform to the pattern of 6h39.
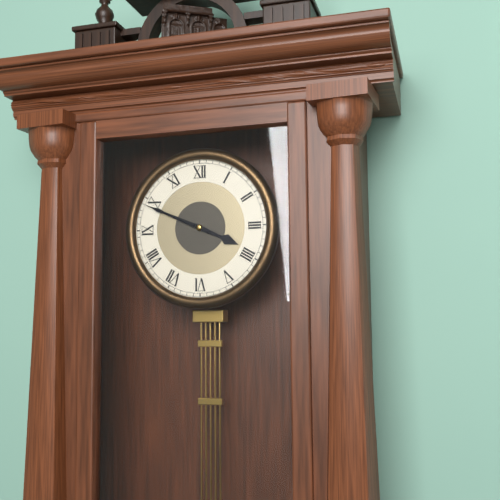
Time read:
3h49
